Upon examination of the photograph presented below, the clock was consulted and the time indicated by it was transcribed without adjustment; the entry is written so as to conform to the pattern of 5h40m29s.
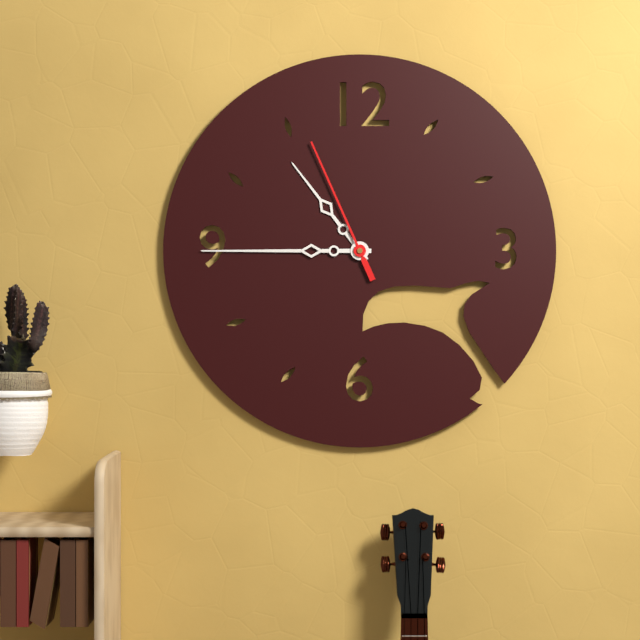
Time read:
10h45m56s
